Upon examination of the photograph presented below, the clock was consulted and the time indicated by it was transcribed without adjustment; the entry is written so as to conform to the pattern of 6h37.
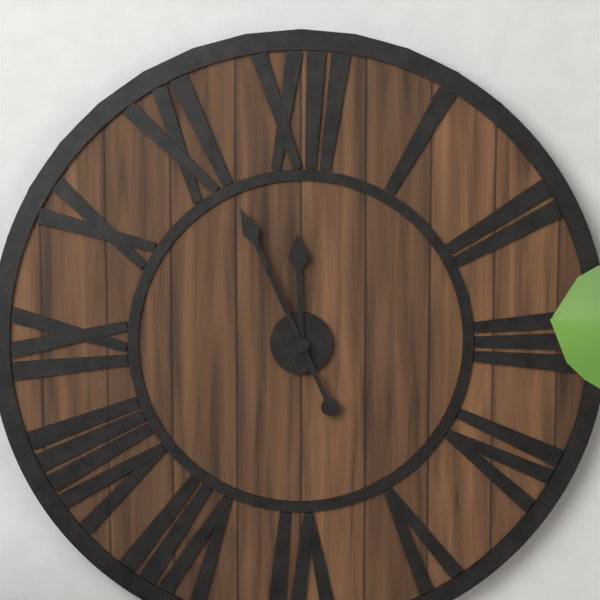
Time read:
11h56
